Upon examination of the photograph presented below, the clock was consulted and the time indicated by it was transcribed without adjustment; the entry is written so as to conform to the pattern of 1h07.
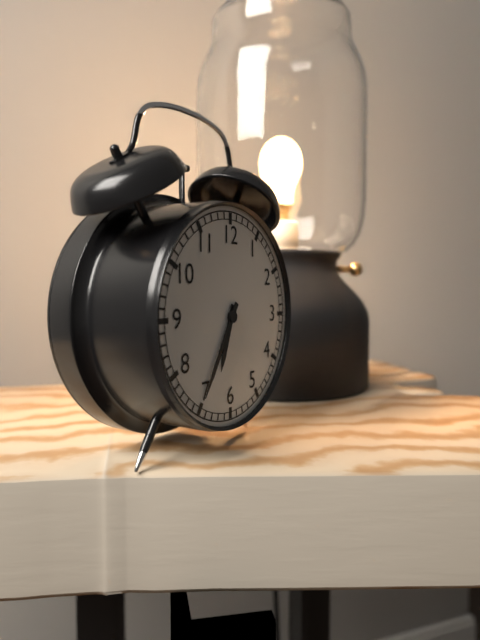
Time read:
6h35
